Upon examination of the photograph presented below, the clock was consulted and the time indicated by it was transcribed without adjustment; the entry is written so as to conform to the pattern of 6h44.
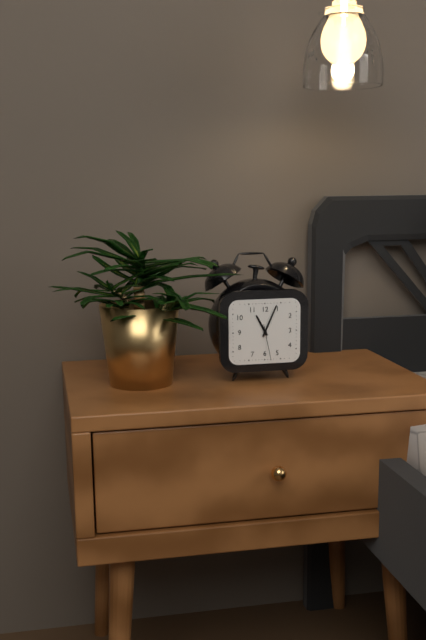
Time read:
11h04
